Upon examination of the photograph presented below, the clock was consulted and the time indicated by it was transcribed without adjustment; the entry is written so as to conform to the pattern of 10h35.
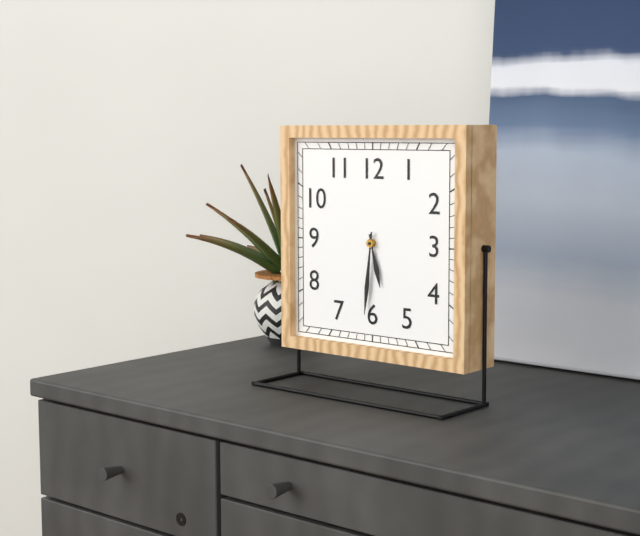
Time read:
5h31
